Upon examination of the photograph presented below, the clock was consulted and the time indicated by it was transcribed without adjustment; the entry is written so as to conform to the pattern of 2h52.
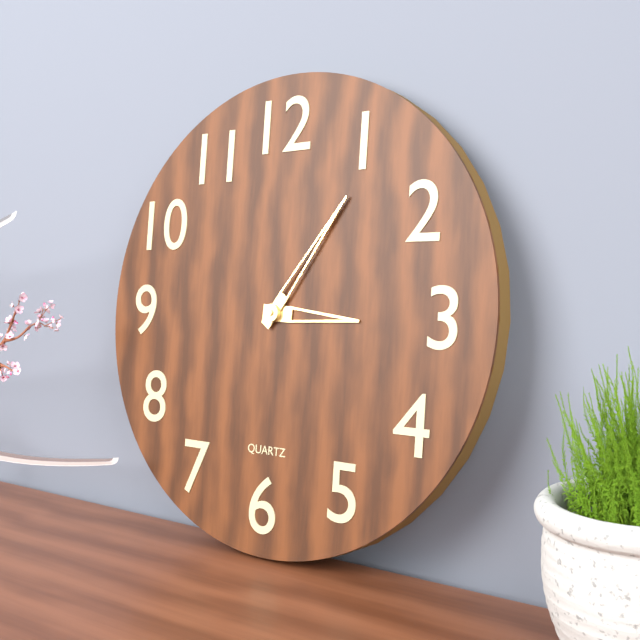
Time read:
3h06
